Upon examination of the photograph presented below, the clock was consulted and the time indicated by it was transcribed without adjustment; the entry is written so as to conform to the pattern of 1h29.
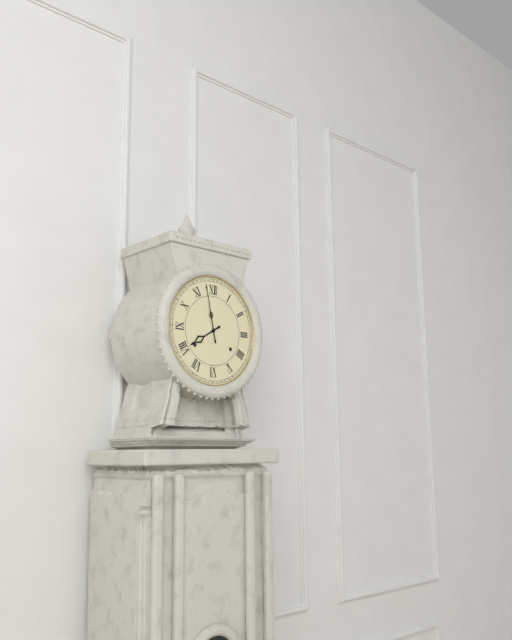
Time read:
7h58
